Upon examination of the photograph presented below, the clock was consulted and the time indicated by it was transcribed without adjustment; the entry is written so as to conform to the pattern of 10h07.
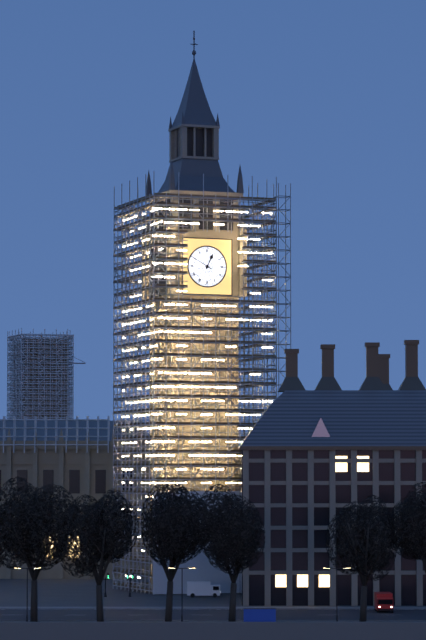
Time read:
12h50
